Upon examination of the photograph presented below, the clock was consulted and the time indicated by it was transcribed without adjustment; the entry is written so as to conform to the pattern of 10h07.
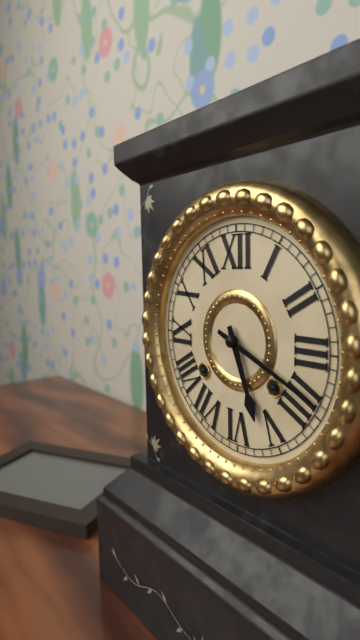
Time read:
5h19
